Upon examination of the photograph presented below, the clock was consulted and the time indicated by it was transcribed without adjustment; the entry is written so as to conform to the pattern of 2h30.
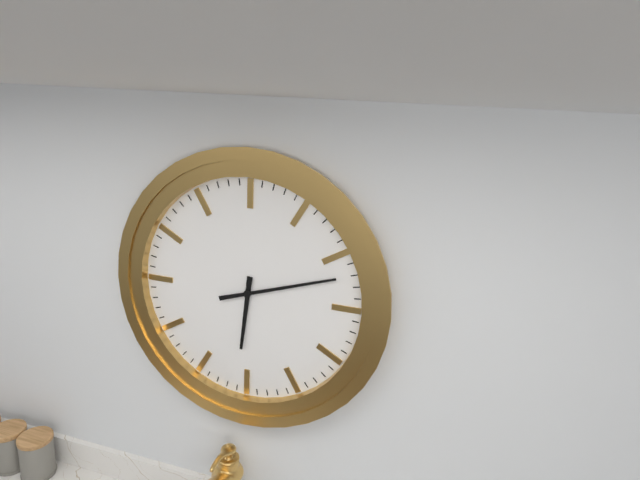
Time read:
6h12
